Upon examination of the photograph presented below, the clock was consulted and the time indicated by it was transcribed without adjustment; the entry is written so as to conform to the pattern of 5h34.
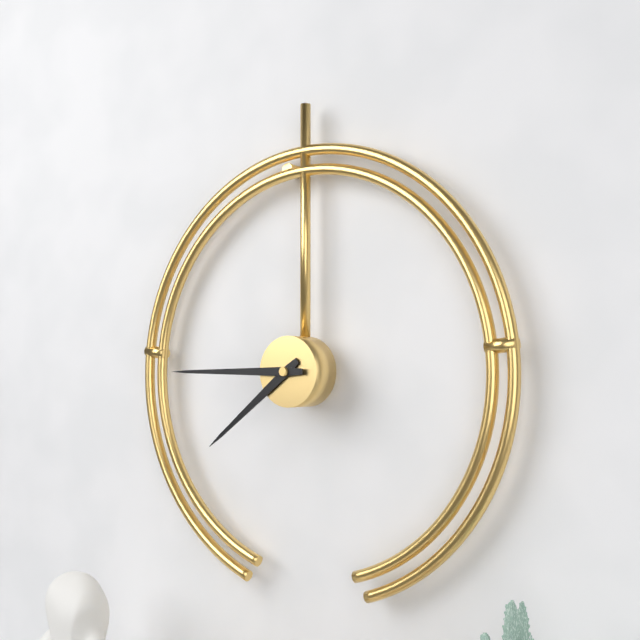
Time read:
7h45
